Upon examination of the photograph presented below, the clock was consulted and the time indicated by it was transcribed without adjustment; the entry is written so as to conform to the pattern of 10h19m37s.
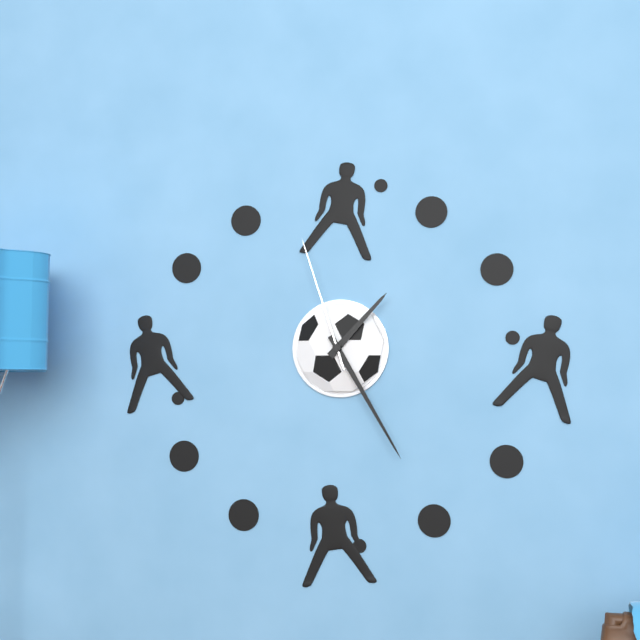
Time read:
1h25m57s
